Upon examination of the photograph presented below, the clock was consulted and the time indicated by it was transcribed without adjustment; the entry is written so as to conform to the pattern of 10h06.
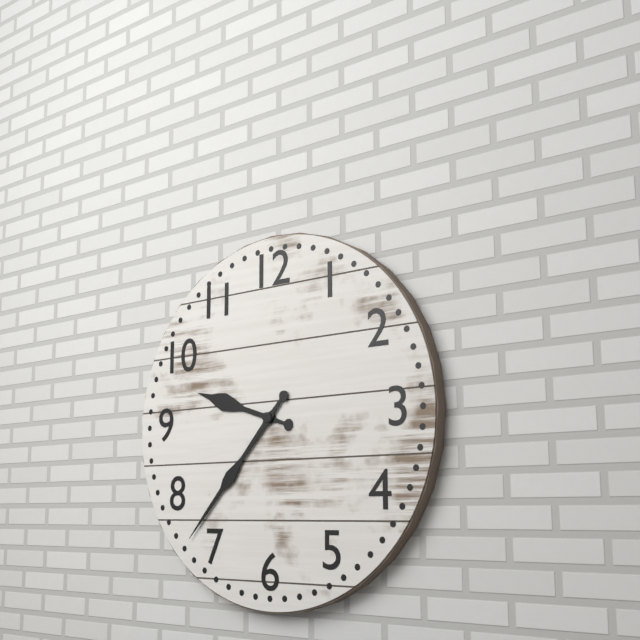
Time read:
9h37
